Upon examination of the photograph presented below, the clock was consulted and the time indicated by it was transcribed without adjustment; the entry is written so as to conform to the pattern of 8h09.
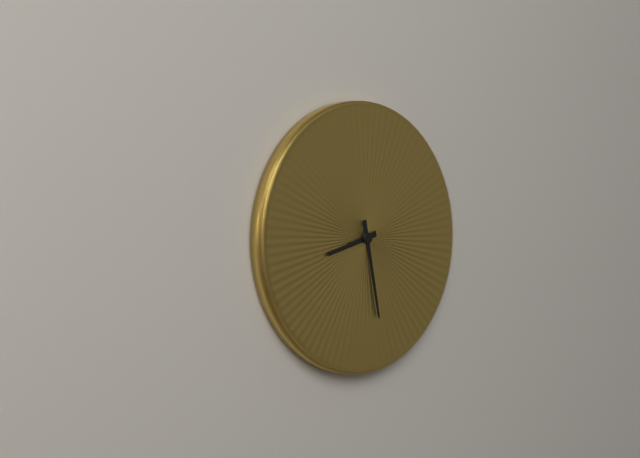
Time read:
8h28
